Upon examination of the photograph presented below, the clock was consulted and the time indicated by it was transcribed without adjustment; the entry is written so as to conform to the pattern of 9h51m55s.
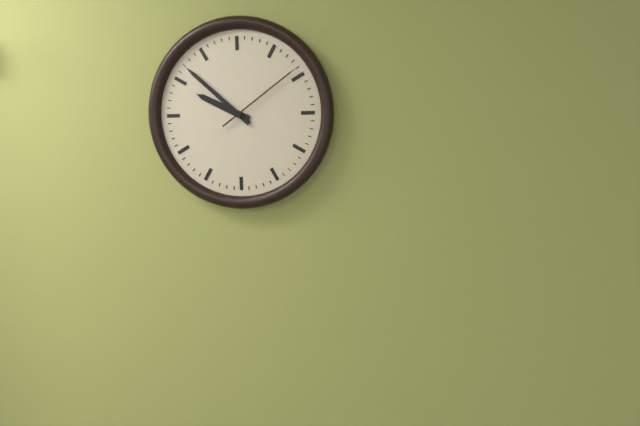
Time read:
9h52m09s
